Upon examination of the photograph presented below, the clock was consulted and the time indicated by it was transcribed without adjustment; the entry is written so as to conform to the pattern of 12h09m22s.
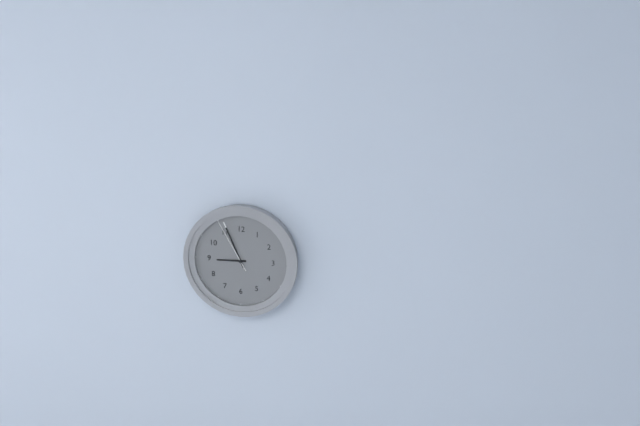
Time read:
8h56m55s
